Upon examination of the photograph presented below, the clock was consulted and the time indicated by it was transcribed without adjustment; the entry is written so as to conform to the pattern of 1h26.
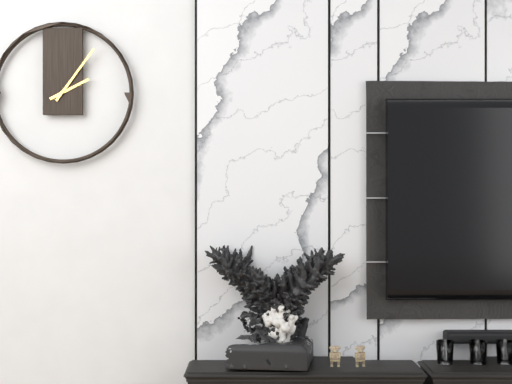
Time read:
2h06
